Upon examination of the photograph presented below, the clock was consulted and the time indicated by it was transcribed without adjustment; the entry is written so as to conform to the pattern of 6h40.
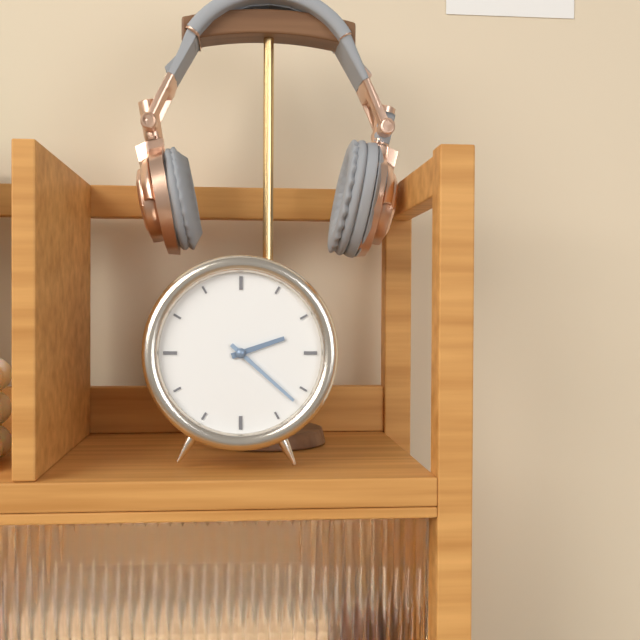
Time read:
2h22
